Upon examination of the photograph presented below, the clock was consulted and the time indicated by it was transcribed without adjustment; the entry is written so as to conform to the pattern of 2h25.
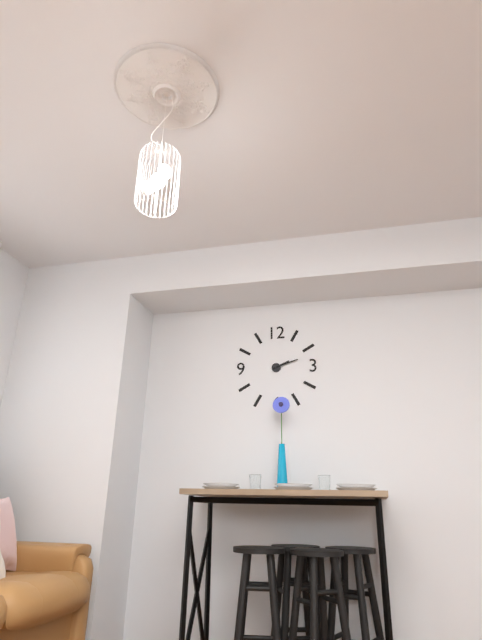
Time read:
2h12
